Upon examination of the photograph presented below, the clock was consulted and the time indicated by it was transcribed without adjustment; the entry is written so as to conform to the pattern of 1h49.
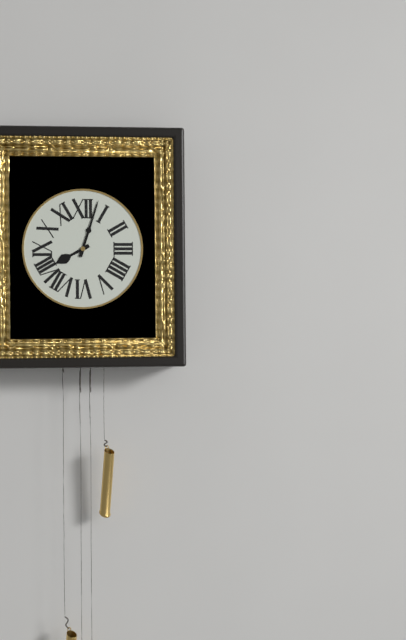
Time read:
8h03
